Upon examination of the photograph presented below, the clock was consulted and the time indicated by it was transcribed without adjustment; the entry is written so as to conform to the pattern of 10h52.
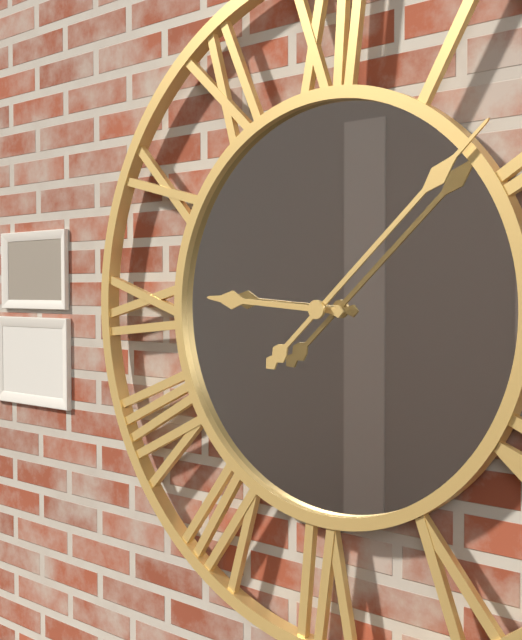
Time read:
9h08
